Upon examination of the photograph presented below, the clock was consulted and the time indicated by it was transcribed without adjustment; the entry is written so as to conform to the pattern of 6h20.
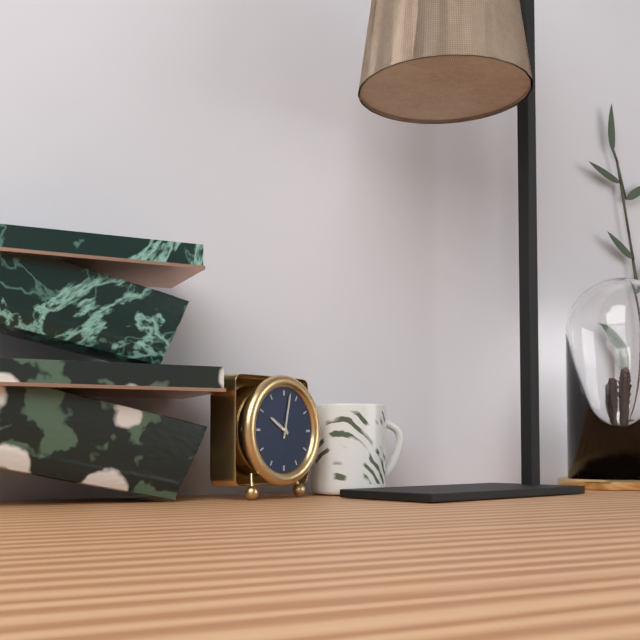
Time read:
10h02
